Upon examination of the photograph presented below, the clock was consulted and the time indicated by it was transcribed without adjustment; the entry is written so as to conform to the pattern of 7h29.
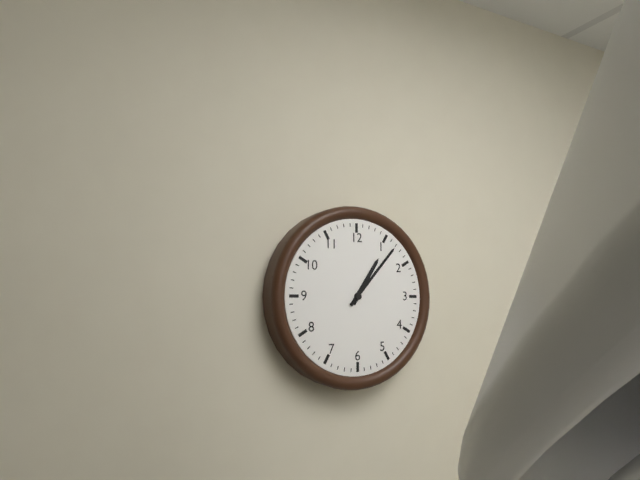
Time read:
1h07
